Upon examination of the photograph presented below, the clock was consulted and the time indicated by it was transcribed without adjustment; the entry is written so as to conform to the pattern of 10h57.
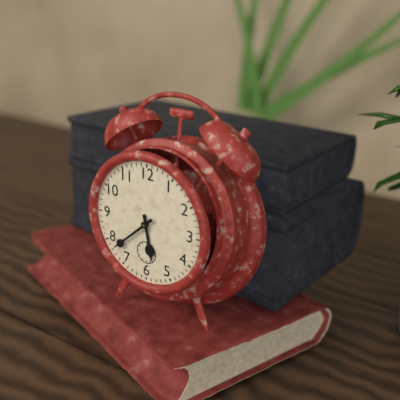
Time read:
5h38
